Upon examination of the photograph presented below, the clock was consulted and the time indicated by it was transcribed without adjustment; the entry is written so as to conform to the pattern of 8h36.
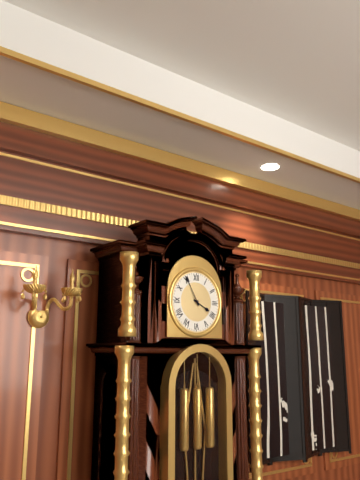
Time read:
3h55
